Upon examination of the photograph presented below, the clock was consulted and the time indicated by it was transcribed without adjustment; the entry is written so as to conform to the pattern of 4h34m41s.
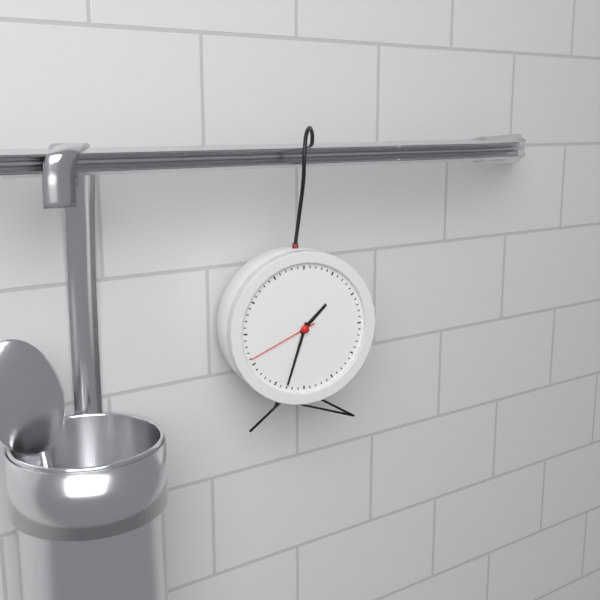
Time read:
1h33m41s
